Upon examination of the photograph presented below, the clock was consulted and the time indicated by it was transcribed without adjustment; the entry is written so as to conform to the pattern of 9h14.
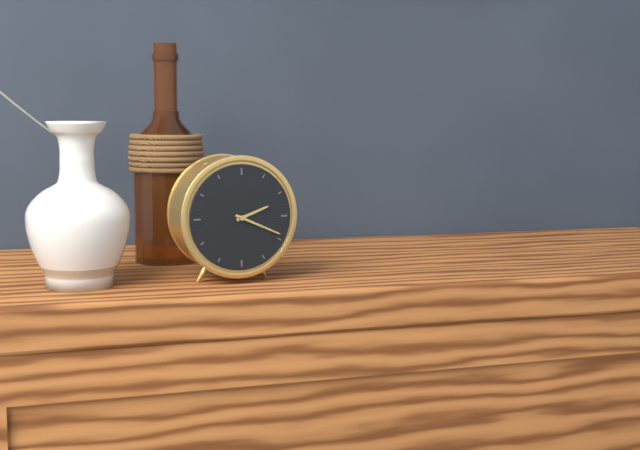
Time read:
2h19
